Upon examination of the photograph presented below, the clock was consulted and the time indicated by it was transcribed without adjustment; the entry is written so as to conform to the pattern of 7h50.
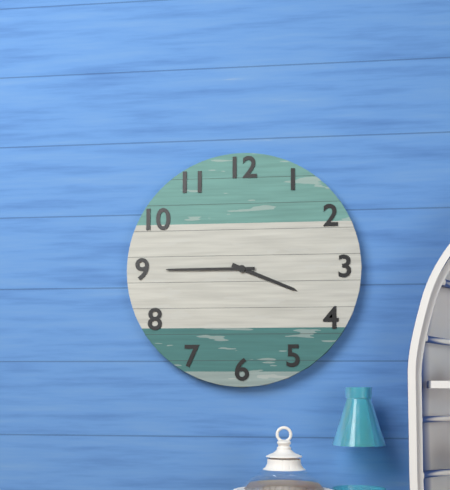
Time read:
3h45
